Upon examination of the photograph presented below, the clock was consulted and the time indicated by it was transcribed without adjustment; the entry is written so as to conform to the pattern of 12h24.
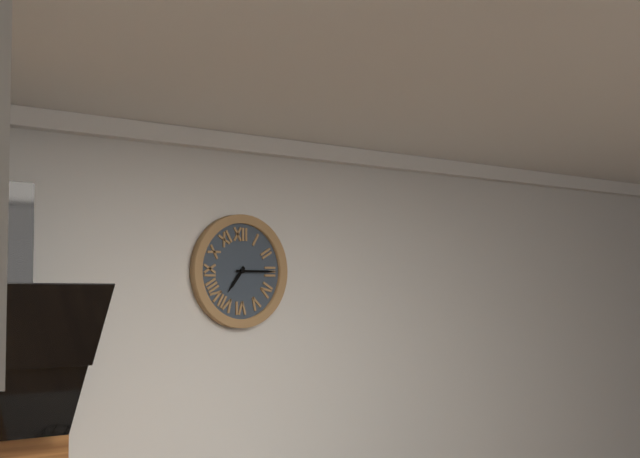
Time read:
7h15
